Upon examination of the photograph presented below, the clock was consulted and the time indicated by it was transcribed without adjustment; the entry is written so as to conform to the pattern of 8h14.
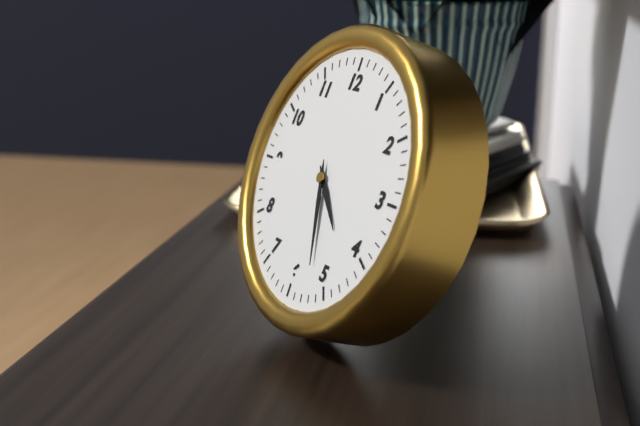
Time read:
4h27
